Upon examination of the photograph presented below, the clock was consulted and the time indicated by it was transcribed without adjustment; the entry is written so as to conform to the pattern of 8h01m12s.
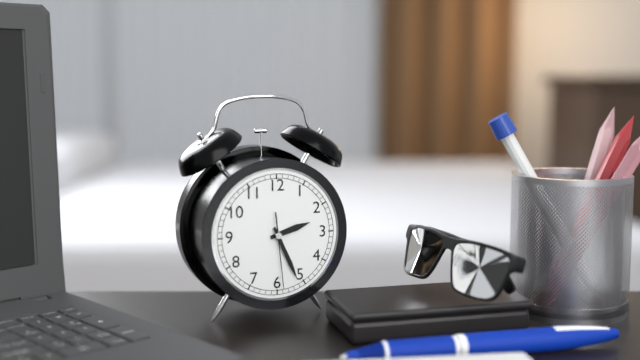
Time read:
2h26m29s
